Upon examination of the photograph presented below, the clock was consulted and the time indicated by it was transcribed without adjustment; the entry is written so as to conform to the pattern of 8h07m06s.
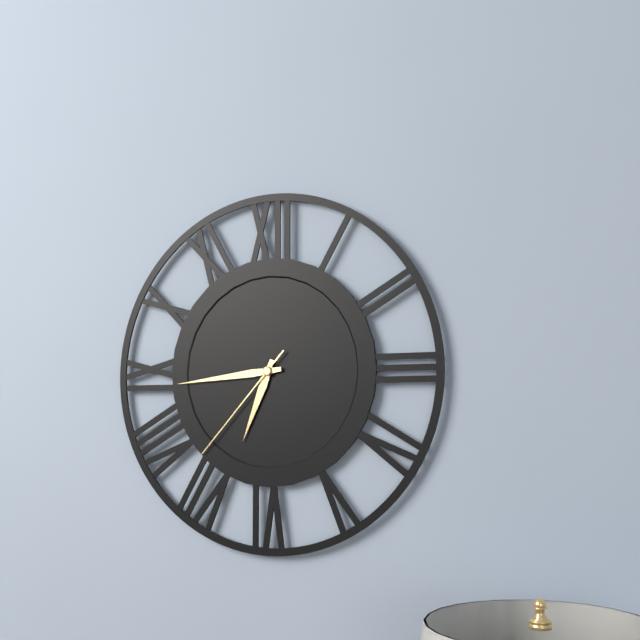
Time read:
6h44m37s
